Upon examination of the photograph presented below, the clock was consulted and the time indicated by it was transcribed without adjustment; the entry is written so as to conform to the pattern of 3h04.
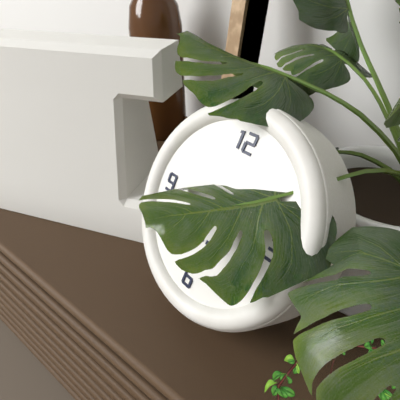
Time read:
2h39
